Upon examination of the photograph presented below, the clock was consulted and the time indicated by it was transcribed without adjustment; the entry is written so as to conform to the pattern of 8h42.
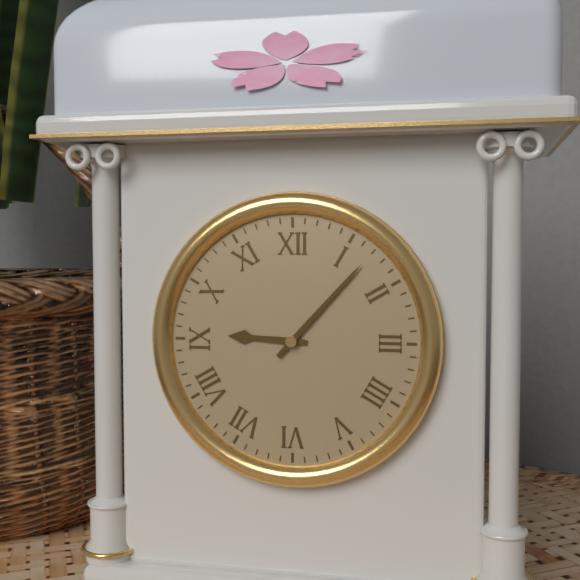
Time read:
9h07
